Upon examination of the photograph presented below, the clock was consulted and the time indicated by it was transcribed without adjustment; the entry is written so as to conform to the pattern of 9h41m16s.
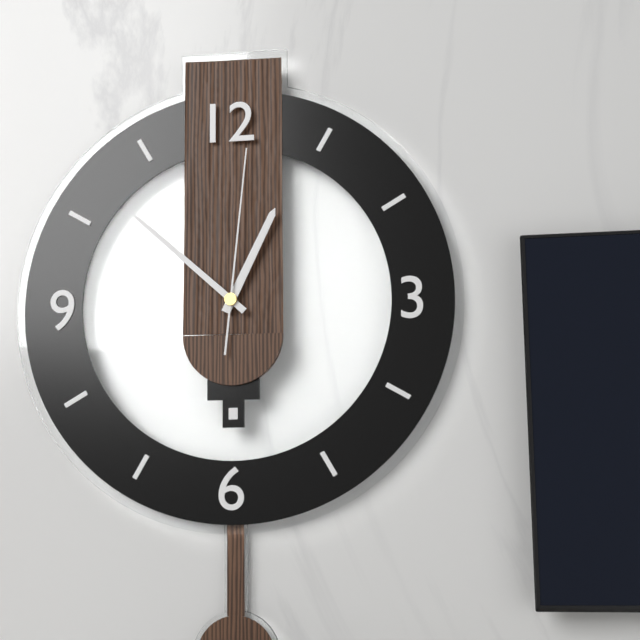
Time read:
12h52m01s
